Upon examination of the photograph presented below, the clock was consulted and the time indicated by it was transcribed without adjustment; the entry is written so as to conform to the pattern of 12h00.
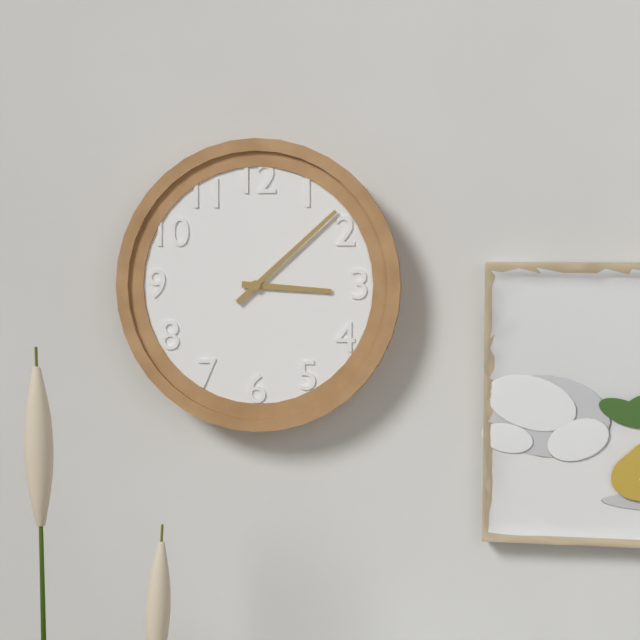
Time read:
3h08
